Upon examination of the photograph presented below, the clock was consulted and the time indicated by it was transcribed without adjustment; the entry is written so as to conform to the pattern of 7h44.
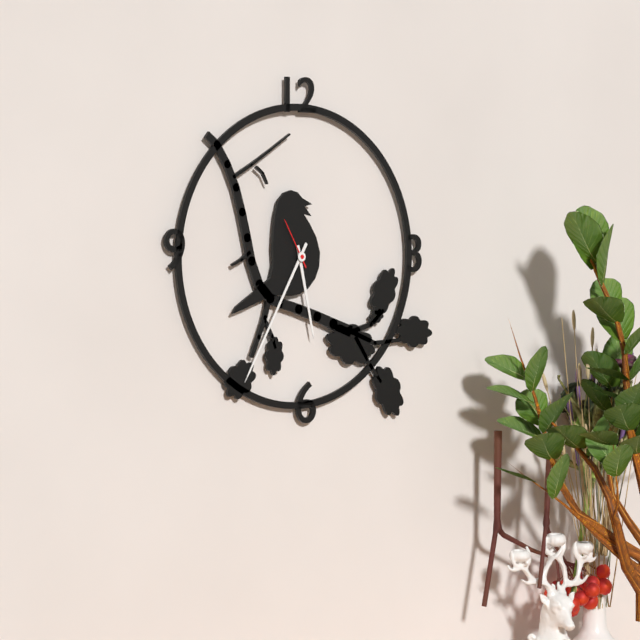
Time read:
5h35
